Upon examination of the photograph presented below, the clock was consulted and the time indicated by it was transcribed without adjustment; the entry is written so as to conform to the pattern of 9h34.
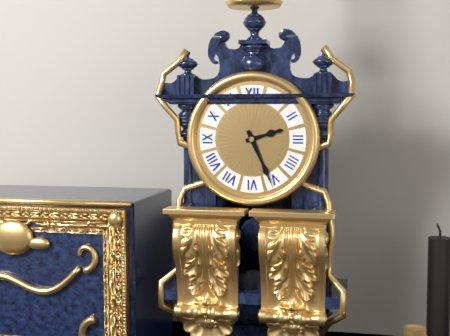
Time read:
2h26
